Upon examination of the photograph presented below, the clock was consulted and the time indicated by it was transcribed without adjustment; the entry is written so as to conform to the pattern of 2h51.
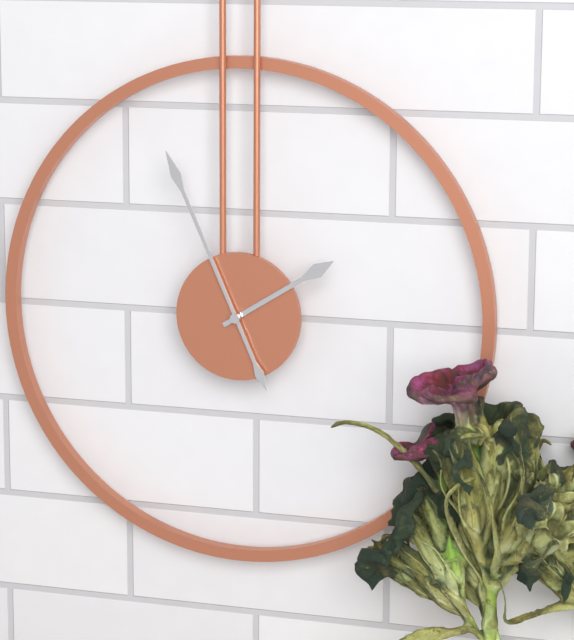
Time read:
1h56
